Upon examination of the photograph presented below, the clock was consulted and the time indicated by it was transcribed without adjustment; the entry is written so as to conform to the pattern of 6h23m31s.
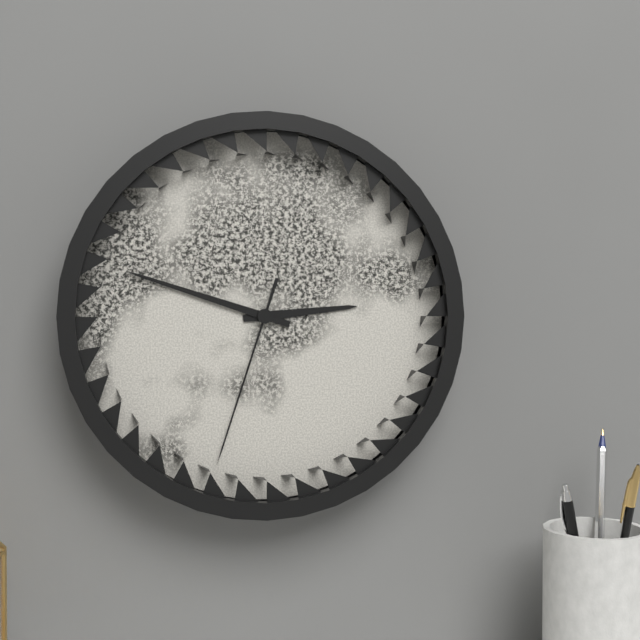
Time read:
2h48m33s
